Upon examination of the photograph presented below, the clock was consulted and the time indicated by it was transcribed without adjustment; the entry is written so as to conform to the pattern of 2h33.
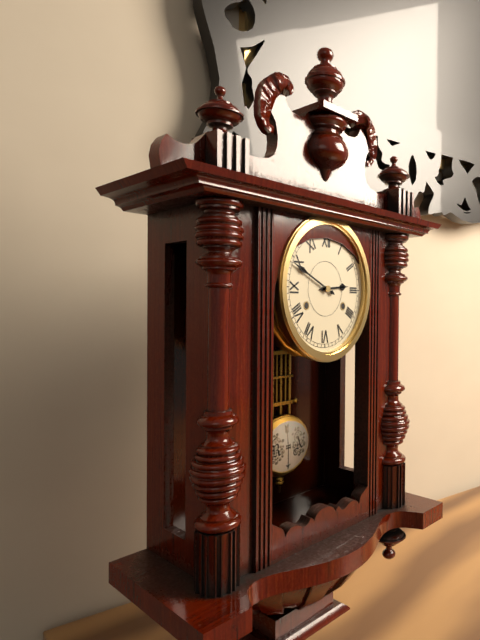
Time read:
2h49
